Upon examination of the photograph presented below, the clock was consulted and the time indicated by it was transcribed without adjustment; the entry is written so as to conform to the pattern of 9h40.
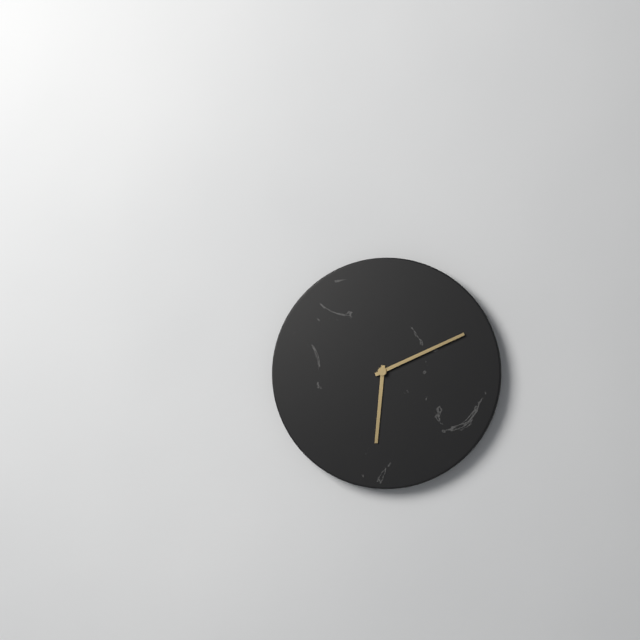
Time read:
6h11
